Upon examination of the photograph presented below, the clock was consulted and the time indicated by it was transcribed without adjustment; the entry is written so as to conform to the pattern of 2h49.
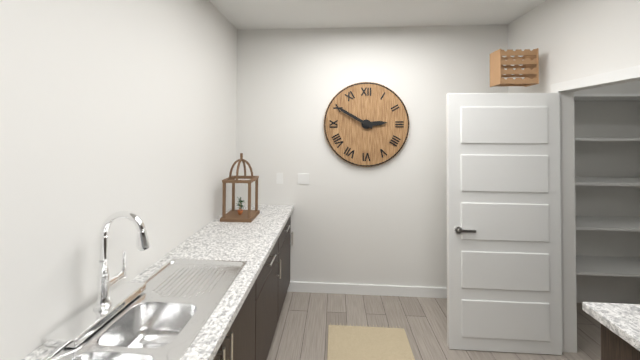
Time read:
2h50
